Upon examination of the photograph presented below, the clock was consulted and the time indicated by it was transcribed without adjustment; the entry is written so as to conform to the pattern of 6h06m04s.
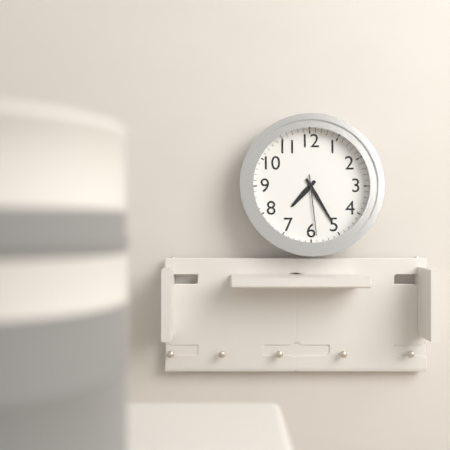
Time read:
7h25m29s
